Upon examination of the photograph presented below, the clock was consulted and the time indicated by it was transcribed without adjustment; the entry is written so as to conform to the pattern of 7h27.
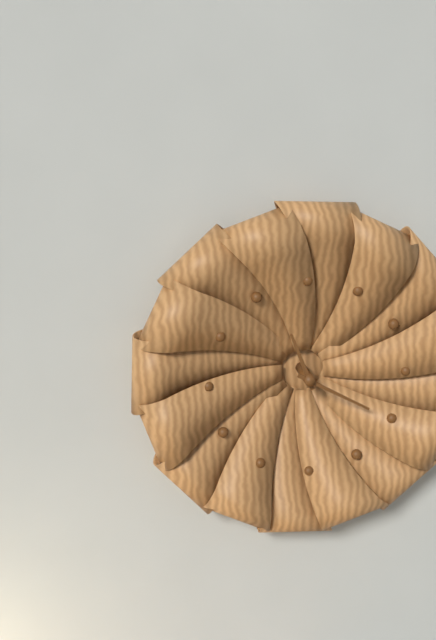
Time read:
11h20
